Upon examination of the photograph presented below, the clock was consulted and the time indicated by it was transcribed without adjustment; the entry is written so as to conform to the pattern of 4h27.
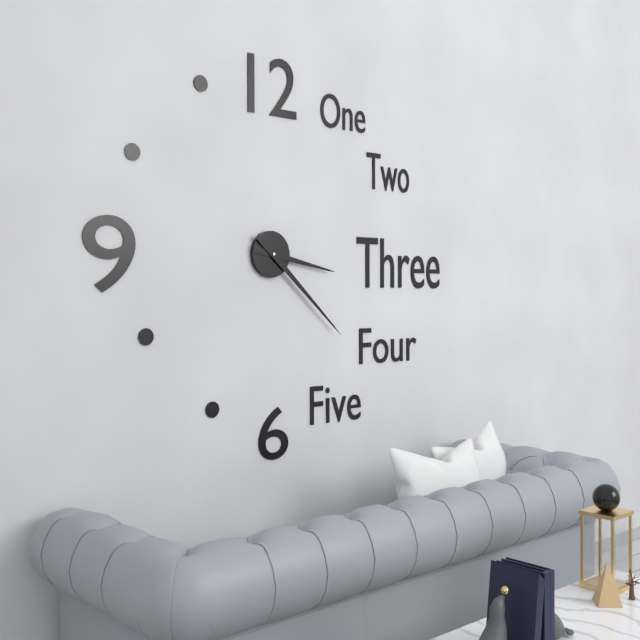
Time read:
3h22
